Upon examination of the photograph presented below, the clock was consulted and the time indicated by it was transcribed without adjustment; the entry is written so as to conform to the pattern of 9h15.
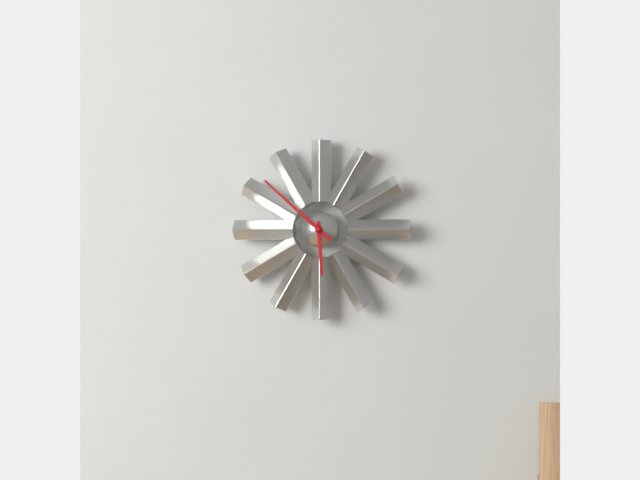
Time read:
5h52
